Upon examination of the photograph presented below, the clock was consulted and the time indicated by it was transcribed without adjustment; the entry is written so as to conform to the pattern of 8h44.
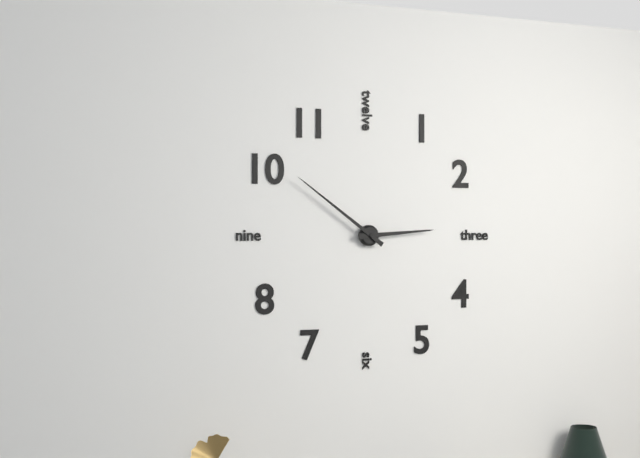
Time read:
2h51
